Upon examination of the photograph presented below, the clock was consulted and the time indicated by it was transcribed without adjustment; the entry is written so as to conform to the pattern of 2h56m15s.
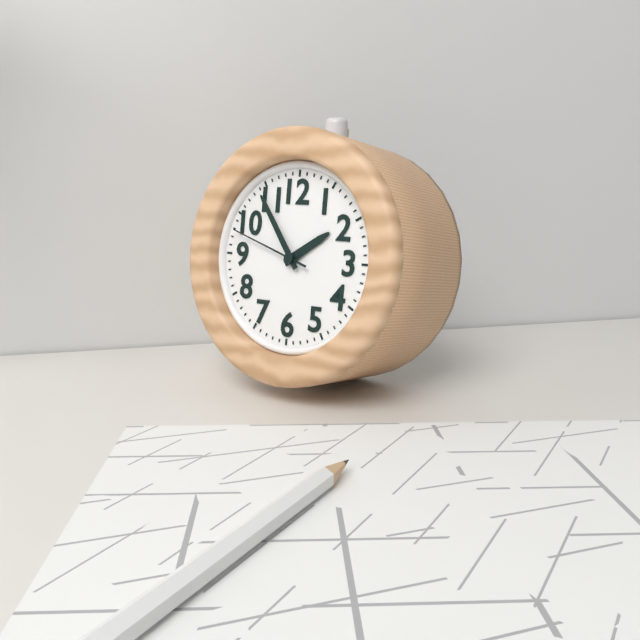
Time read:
1h54m48s
